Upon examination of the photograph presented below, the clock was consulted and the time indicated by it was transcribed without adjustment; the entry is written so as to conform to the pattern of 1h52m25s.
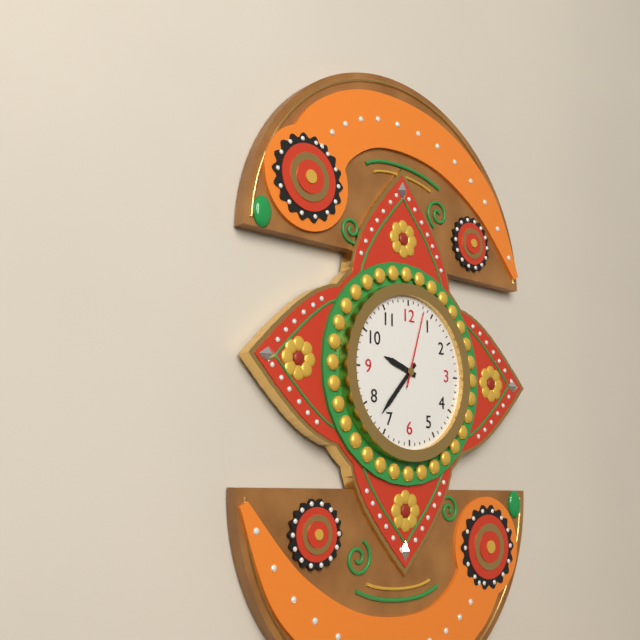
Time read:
9h37m03s
